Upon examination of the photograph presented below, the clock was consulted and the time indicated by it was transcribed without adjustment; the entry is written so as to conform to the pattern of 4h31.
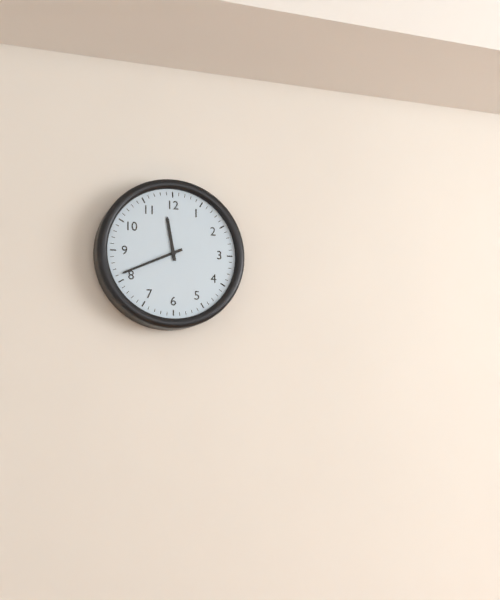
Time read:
11h41
